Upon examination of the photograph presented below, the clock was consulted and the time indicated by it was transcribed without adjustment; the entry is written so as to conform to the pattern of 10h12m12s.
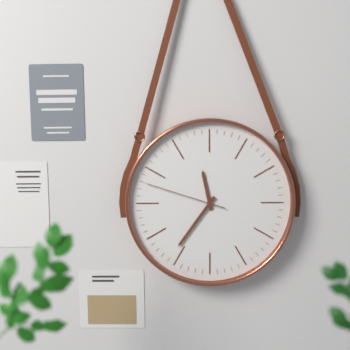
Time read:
11h36m48s
